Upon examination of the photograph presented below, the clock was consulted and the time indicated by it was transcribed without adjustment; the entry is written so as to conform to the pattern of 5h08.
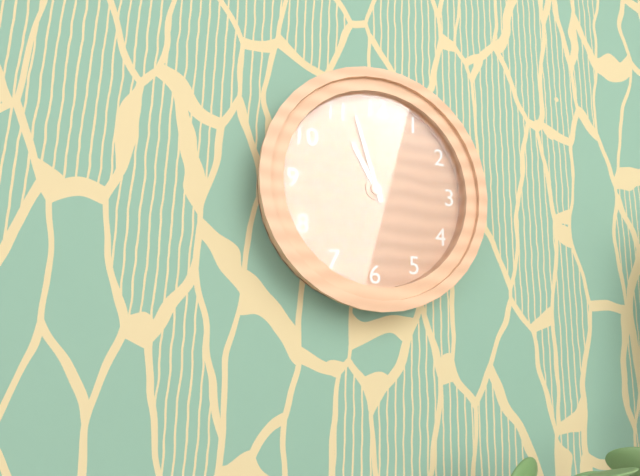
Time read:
10h57
